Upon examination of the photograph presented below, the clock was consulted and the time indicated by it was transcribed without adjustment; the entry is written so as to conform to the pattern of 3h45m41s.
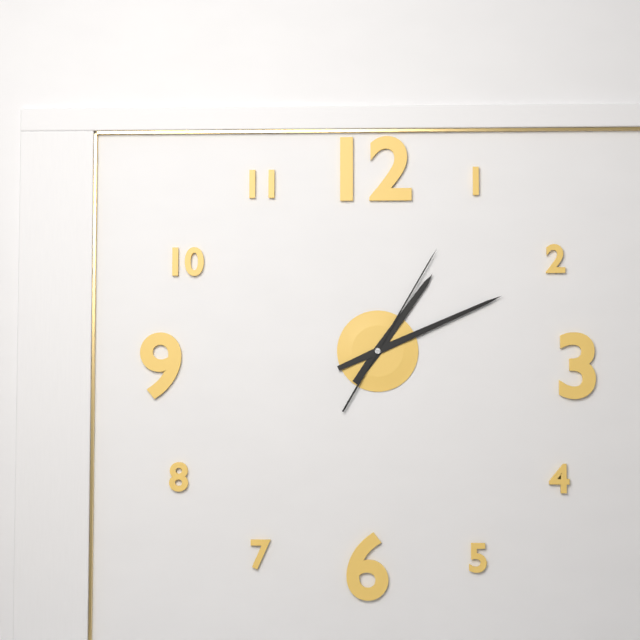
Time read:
1h11m05s
